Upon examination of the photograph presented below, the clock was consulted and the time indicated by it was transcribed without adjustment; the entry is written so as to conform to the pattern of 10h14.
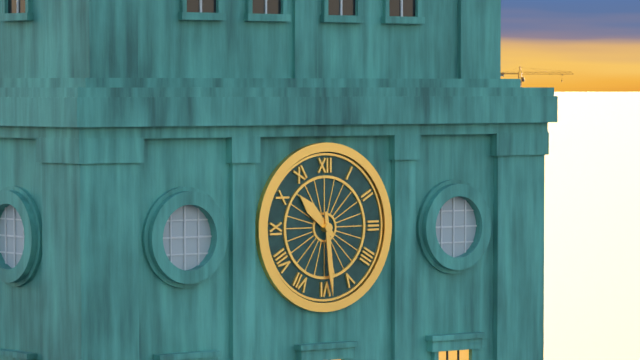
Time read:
10h29
